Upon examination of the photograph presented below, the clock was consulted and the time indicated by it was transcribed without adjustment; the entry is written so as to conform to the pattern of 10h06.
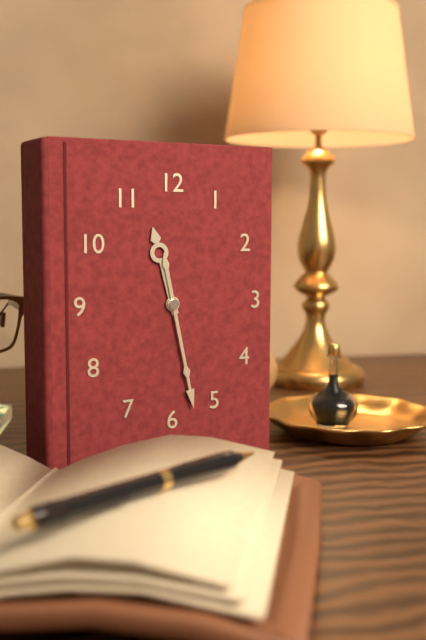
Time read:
11h28
